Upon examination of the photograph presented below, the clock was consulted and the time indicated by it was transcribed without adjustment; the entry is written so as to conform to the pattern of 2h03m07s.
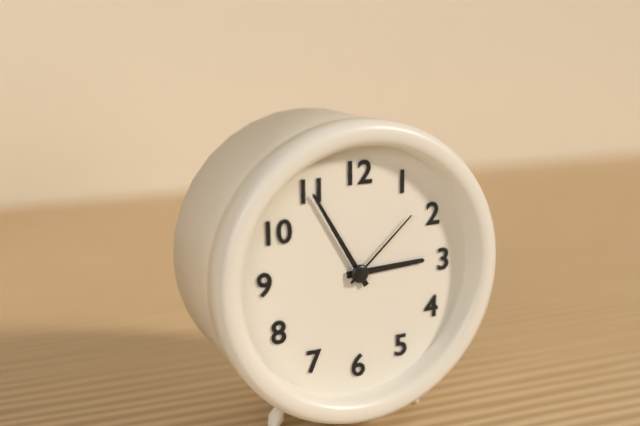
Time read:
2h55m08s
